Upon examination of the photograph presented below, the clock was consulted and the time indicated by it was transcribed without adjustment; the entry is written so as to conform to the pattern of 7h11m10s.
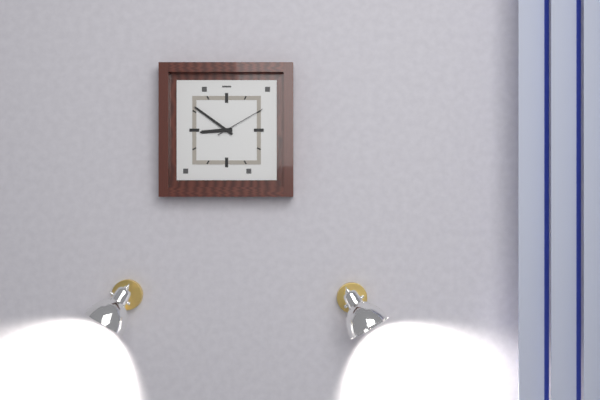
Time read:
8h51m10s
